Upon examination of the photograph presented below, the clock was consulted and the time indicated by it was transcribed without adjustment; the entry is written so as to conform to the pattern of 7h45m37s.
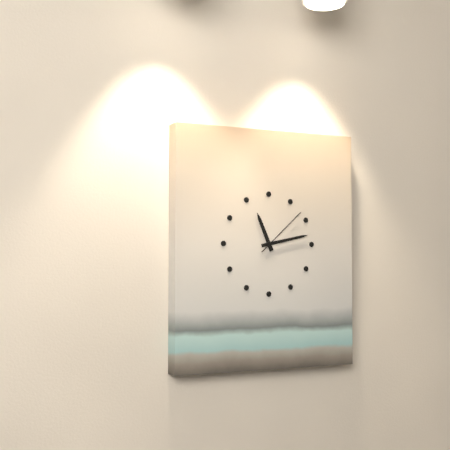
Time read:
11h13m08s
